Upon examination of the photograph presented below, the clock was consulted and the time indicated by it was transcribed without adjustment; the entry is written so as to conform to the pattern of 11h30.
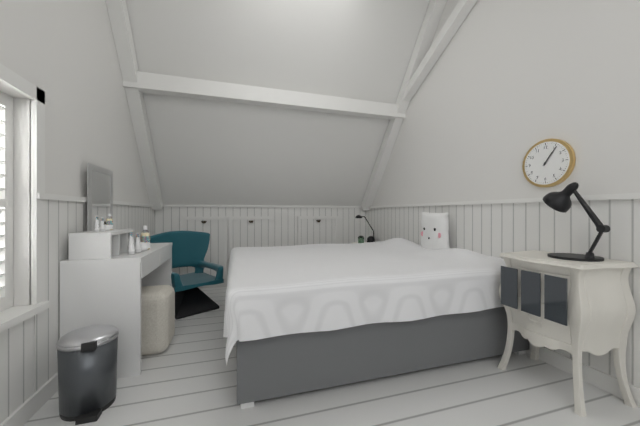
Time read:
1h06
